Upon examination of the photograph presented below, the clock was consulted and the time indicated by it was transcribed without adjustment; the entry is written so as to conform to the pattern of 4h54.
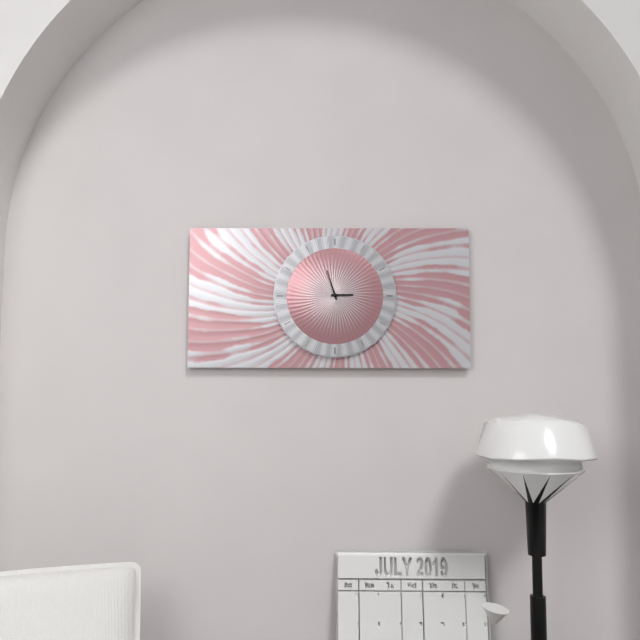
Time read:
2h57
